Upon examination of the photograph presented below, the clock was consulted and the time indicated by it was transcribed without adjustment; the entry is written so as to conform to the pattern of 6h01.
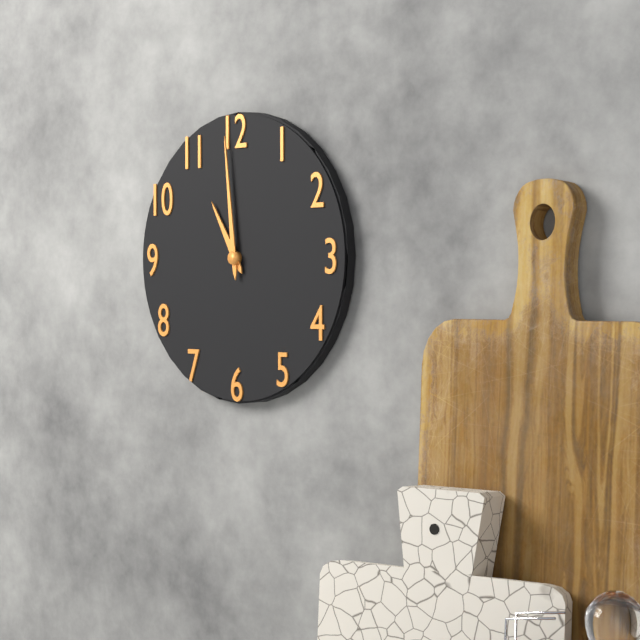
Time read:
10h59
